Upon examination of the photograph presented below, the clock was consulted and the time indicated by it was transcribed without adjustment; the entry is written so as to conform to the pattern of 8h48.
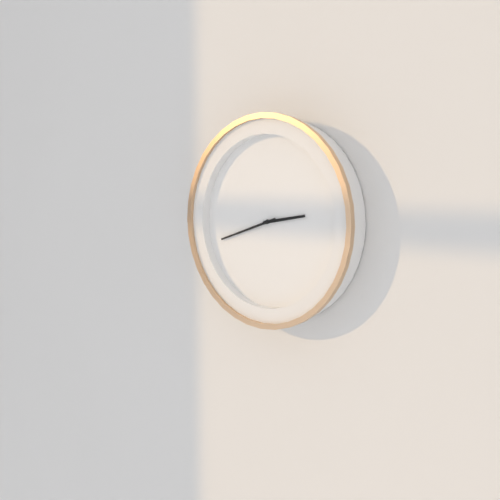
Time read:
2h42
